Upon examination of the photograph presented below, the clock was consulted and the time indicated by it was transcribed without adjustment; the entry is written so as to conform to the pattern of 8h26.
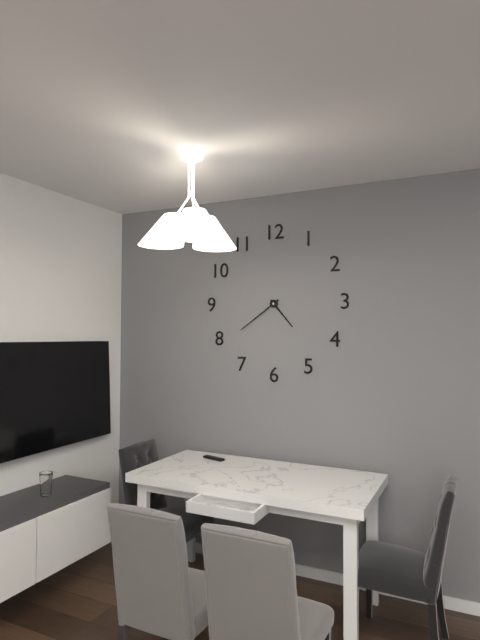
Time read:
4h39
